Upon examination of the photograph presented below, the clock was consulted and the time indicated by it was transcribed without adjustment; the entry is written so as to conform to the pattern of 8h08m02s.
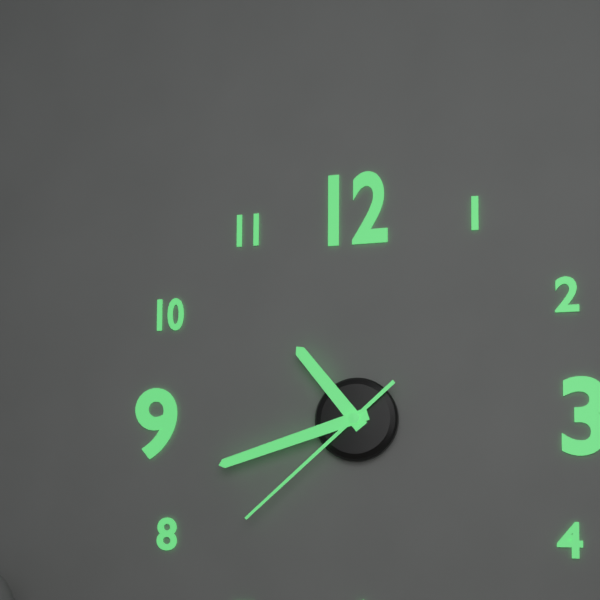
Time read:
10h42m38s
